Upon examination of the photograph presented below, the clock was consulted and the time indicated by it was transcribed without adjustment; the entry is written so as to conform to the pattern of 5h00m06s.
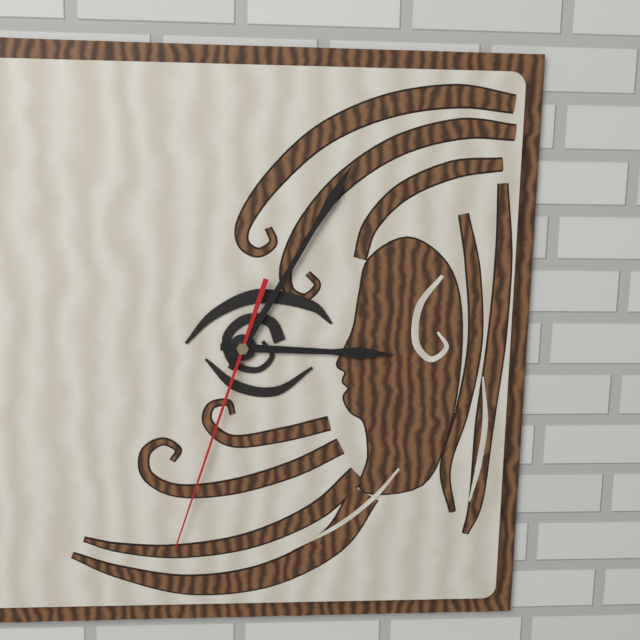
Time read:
3h05m33s
